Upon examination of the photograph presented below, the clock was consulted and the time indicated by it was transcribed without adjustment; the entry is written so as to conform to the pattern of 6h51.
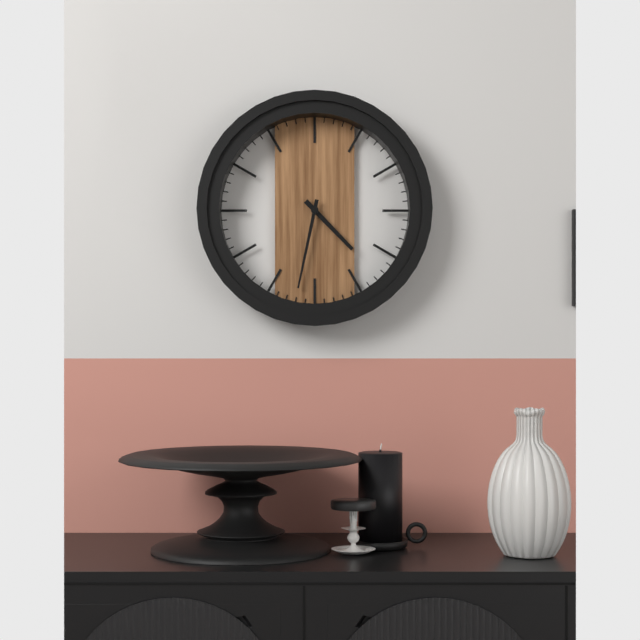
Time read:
4h32
